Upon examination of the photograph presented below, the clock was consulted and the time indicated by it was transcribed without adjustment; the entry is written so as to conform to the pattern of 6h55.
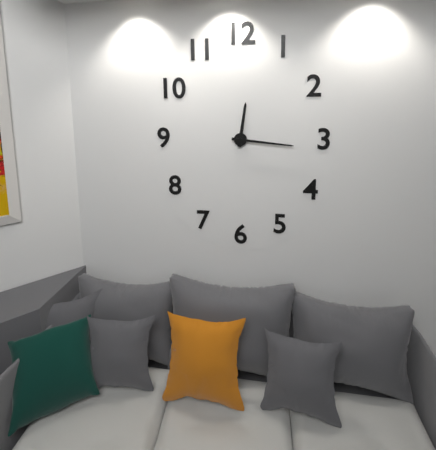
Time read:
12h16
